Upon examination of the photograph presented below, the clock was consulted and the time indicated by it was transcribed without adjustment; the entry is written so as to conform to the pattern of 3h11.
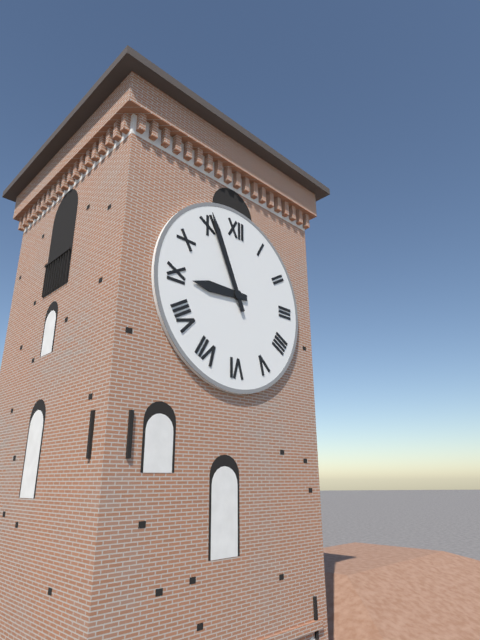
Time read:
8h56
